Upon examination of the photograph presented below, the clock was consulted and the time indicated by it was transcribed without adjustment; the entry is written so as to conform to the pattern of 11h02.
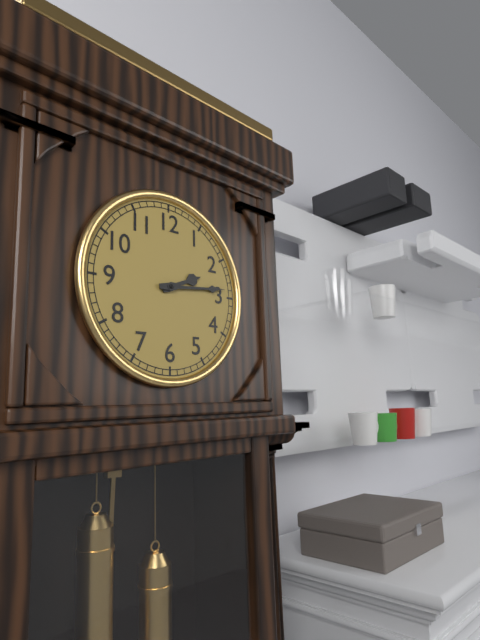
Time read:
2h14
